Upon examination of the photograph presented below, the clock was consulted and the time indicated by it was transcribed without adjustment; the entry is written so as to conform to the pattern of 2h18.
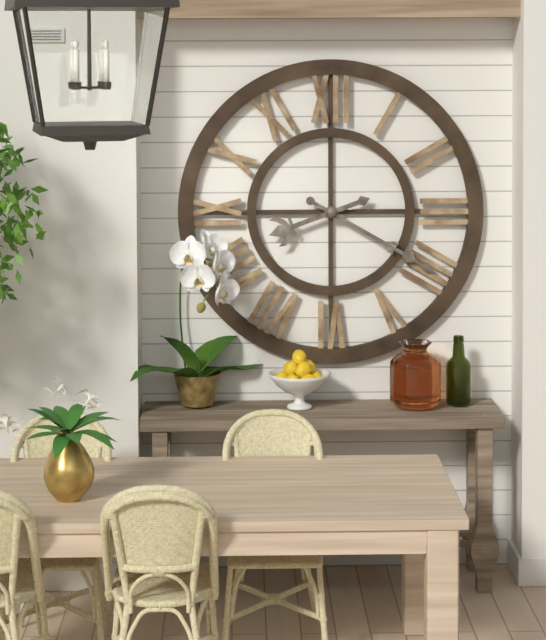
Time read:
8h20
